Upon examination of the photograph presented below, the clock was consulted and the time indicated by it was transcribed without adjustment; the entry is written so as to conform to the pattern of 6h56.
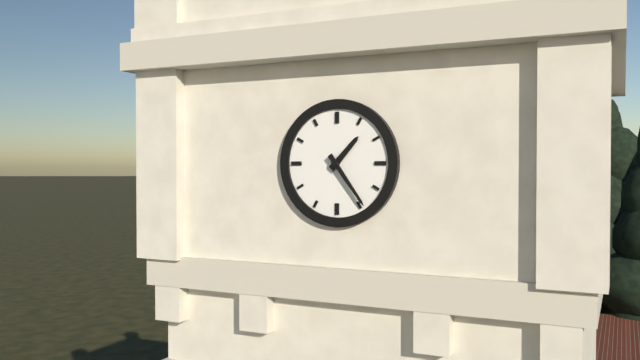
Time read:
1h24
